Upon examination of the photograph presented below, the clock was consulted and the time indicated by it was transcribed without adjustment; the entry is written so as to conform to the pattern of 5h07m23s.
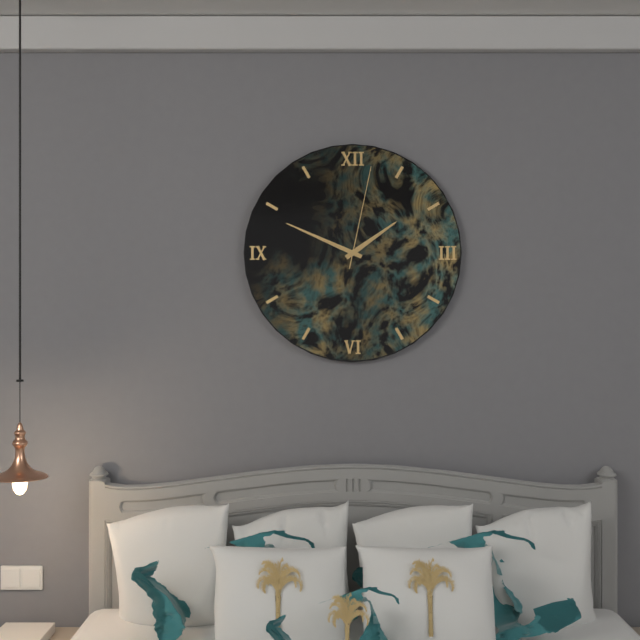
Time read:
1h49m02s
